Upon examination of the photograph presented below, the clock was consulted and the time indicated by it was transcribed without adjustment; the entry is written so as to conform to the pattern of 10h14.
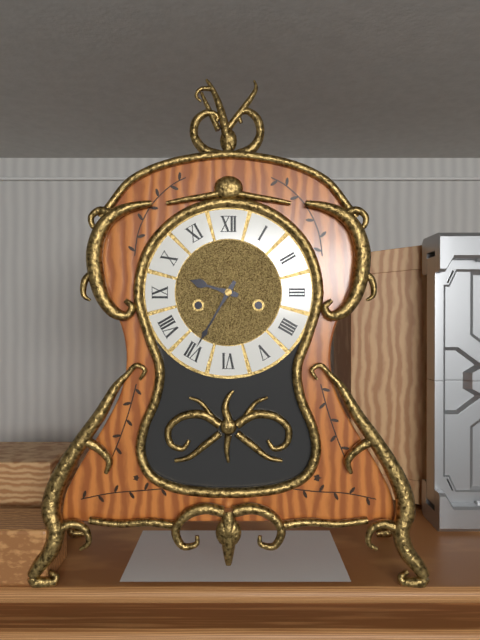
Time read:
9h35
